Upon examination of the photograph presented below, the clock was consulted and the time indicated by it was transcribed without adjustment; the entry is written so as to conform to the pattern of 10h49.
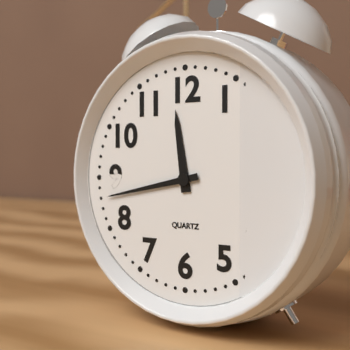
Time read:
11h43
